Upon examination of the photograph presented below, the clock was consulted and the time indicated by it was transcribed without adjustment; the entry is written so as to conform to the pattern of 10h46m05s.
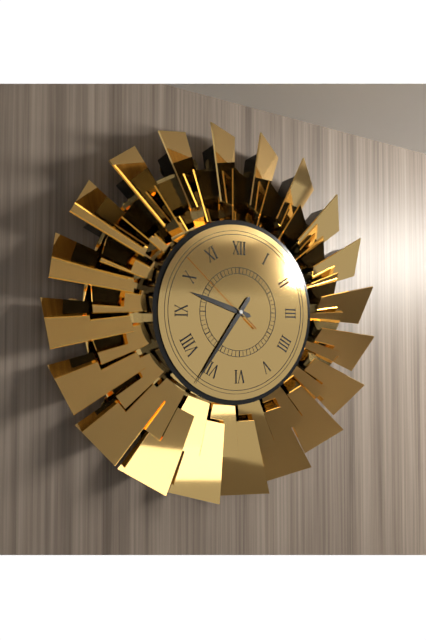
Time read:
9h36m52s
